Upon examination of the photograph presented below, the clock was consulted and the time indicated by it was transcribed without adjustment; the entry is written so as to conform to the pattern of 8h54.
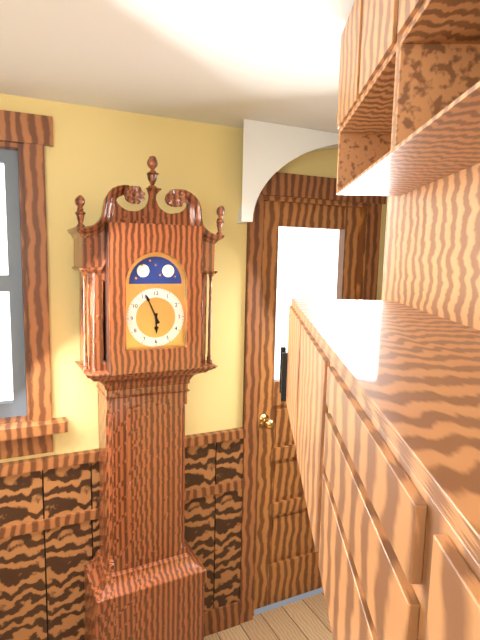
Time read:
5h56
